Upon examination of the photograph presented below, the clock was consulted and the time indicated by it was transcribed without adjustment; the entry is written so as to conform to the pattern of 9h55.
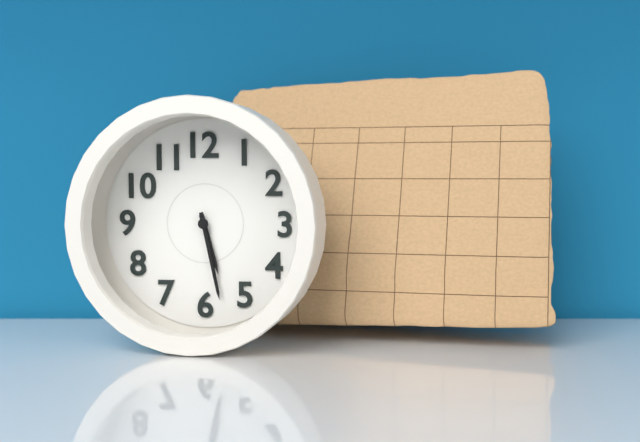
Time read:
5h28
